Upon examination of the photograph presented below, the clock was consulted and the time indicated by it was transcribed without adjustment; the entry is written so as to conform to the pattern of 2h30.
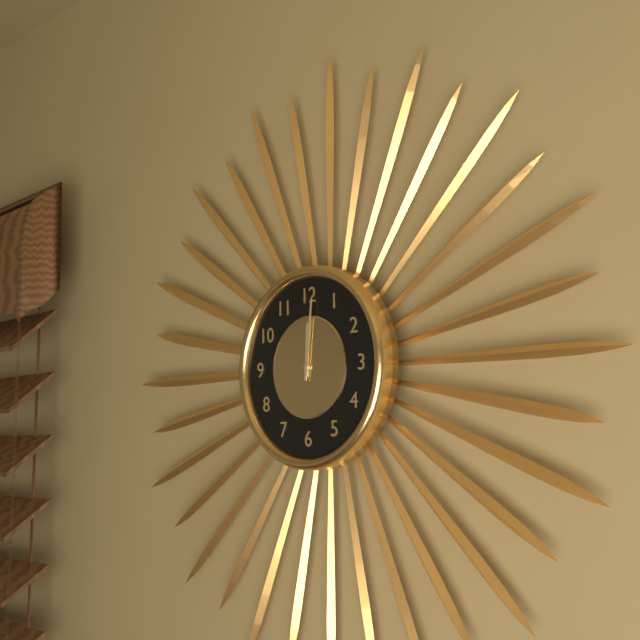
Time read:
12h01
